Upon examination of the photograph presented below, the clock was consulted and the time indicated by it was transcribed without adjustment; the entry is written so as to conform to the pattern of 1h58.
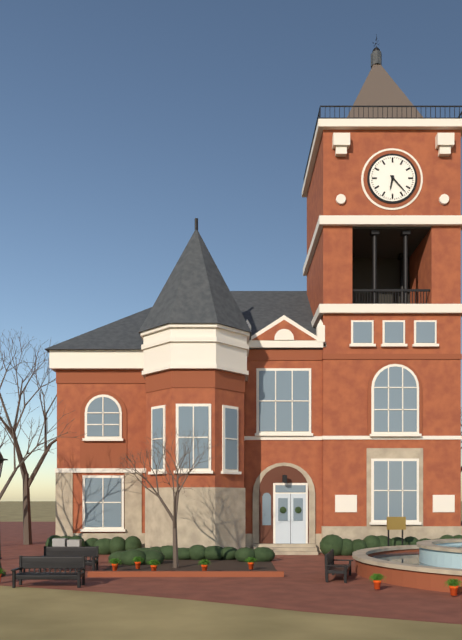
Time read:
6h23
